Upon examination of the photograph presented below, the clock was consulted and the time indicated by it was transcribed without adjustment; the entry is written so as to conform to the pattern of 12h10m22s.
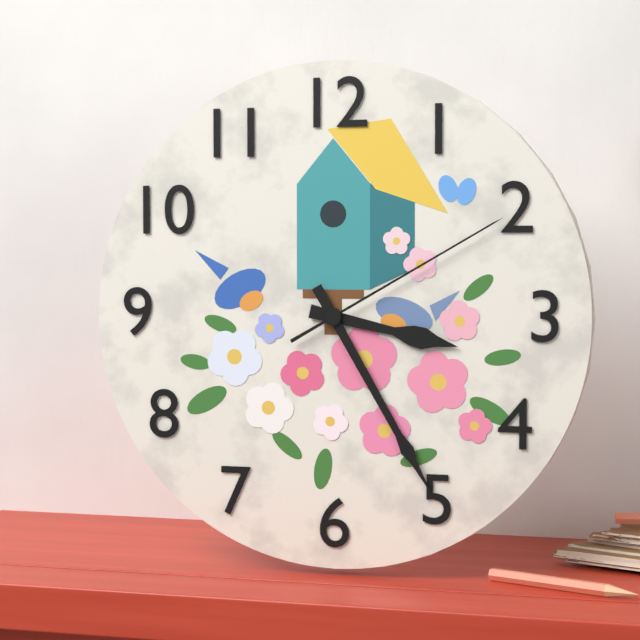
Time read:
3h25m10s
